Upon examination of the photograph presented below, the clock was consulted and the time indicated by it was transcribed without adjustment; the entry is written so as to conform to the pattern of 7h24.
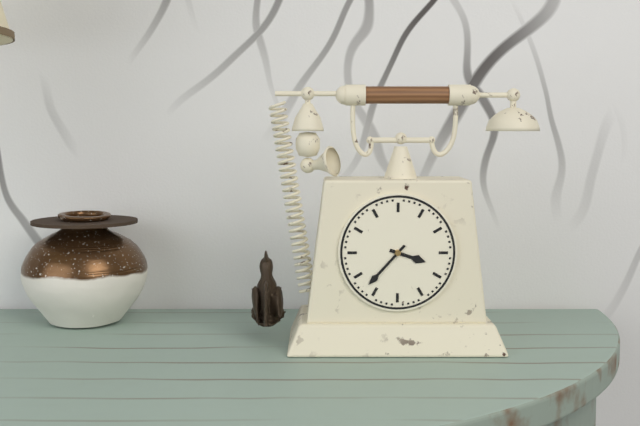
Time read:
3h37
